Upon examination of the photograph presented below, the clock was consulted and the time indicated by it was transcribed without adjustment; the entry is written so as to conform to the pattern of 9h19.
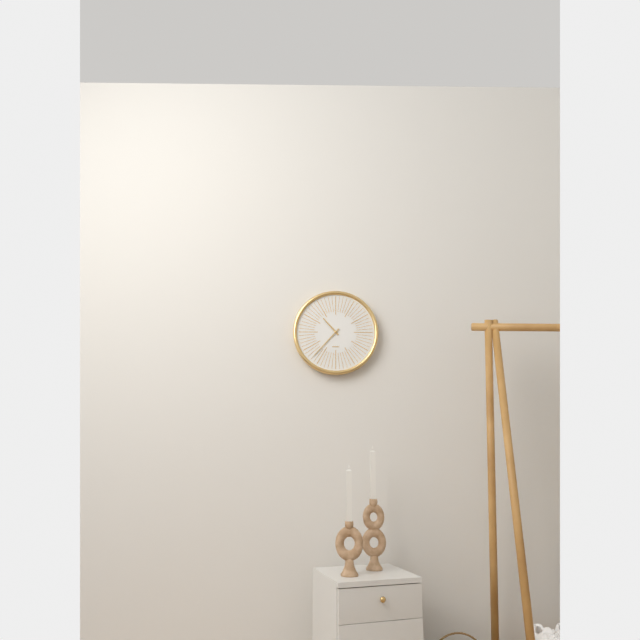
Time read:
10h37
